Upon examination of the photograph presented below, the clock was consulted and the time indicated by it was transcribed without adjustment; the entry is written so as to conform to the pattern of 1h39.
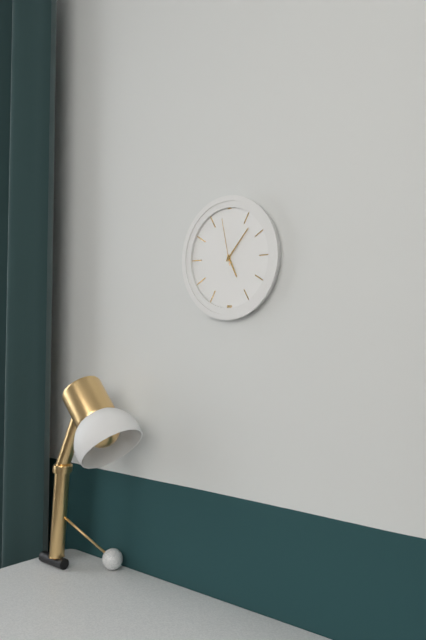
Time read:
5h07
